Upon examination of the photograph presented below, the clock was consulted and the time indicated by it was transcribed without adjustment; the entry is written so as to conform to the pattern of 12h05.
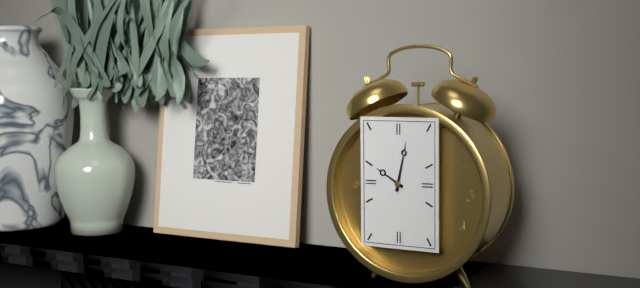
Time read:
10h02
